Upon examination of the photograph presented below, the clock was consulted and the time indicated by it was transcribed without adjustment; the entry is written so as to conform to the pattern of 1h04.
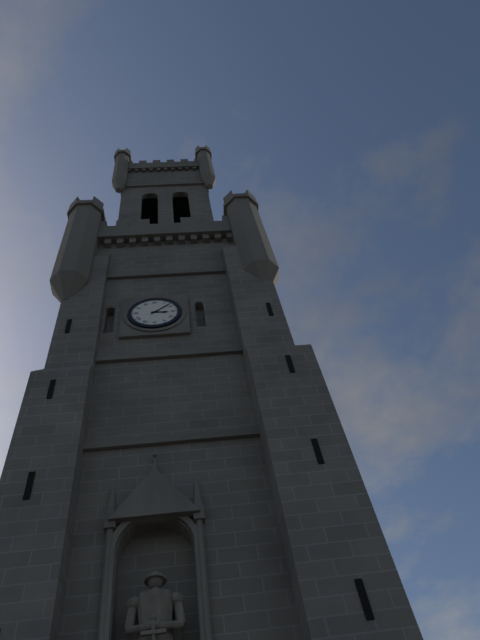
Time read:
3h08
